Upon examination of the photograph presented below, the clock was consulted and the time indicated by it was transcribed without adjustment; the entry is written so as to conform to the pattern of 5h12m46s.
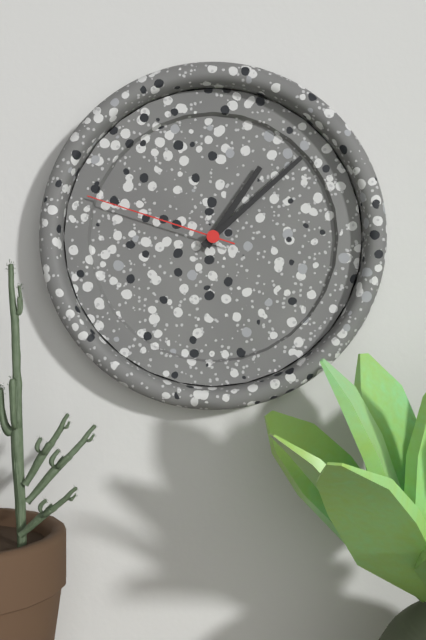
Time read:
1h08m48s
